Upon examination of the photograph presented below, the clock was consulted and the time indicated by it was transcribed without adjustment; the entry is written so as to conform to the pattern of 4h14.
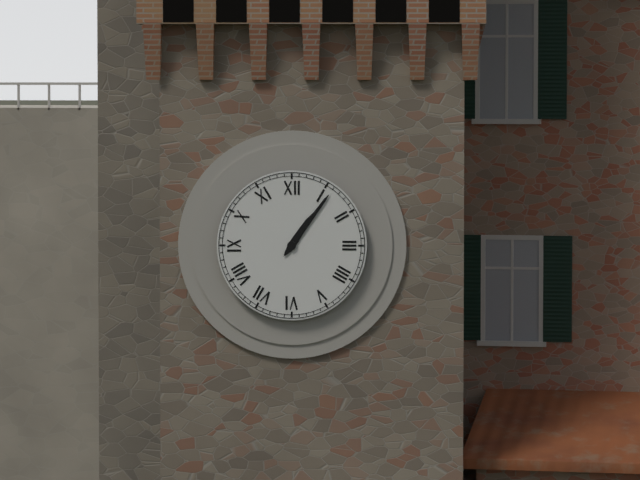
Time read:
1h06
